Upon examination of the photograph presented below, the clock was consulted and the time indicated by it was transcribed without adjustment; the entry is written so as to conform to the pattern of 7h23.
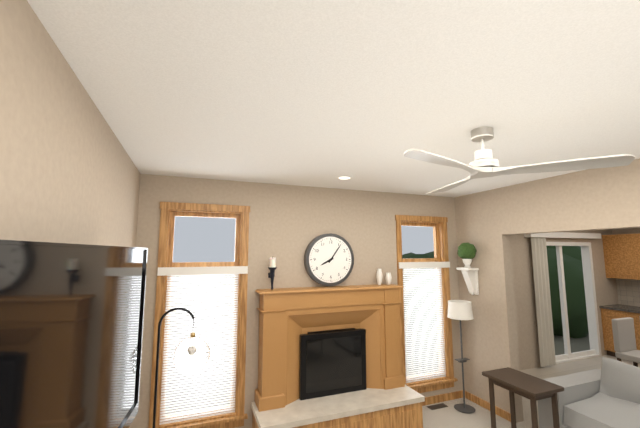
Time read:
8h06
